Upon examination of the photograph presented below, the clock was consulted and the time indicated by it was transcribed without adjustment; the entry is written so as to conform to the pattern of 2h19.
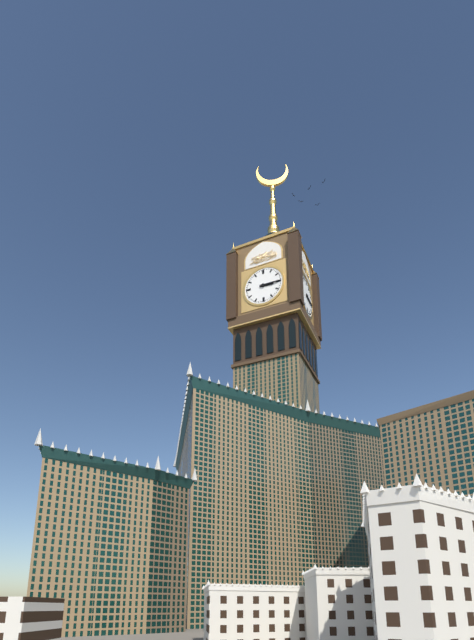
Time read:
3h15
